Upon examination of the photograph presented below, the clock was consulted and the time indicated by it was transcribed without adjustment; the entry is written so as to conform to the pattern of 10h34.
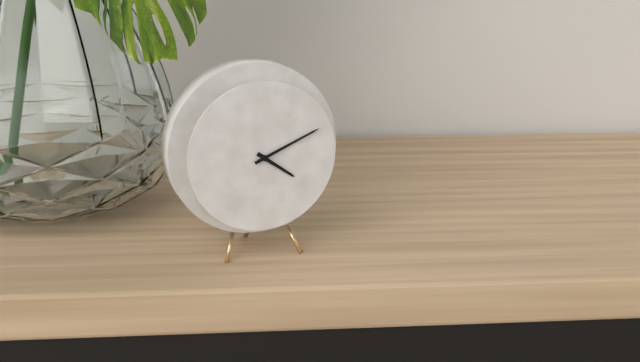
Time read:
4h11
